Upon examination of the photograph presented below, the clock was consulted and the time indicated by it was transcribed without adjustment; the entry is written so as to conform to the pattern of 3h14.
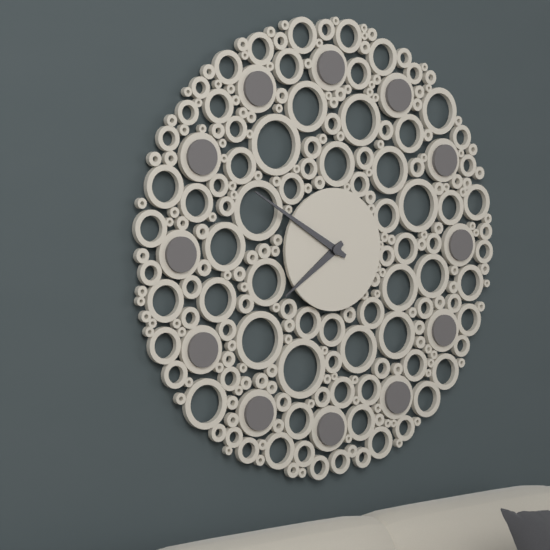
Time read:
7h50
